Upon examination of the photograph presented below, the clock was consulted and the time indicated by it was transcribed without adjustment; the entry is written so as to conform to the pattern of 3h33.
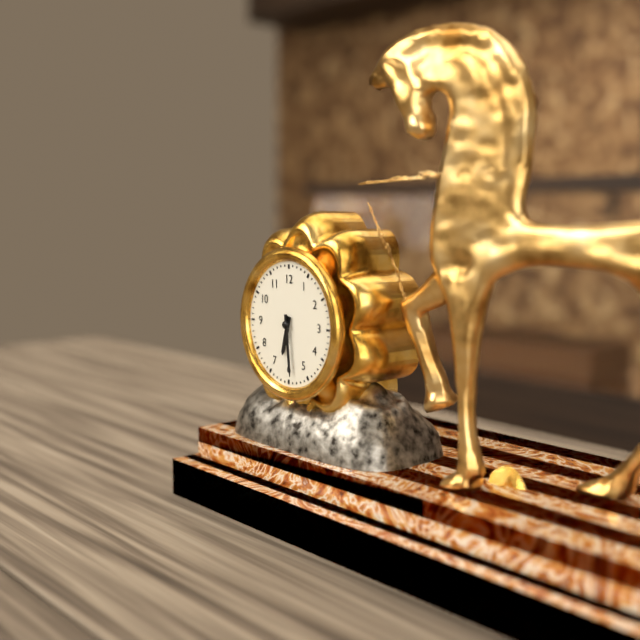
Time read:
6h29
